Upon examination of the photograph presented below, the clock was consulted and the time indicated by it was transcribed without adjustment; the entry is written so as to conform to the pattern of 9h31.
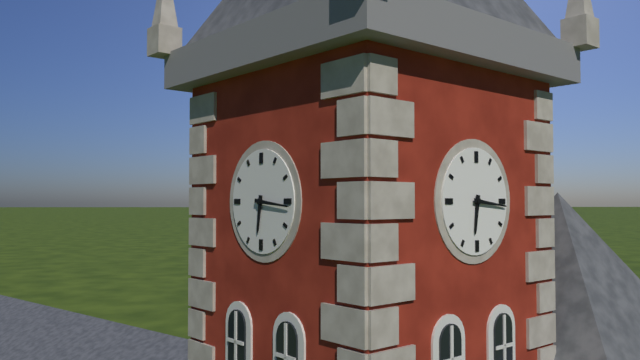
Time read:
6h16
